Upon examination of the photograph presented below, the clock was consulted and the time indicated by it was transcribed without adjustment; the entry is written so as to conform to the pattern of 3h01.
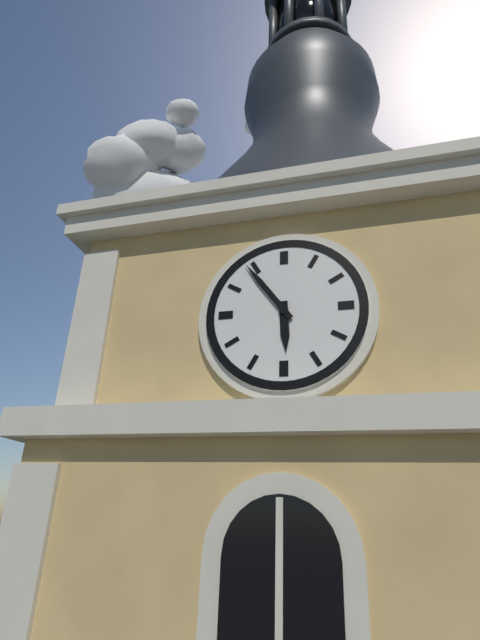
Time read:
5h54
